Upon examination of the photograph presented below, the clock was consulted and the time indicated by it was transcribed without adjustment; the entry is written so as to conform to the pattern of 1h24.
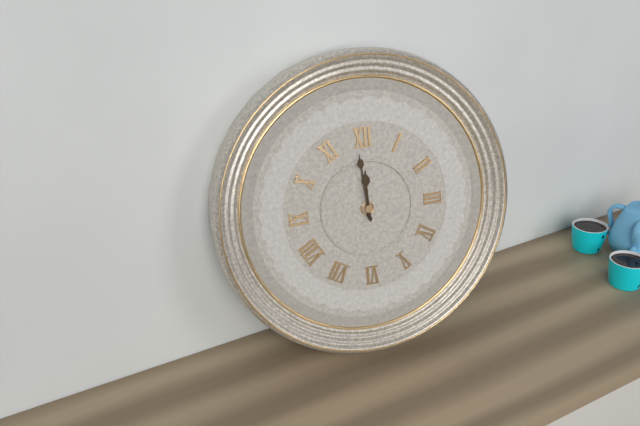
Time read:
11h59
